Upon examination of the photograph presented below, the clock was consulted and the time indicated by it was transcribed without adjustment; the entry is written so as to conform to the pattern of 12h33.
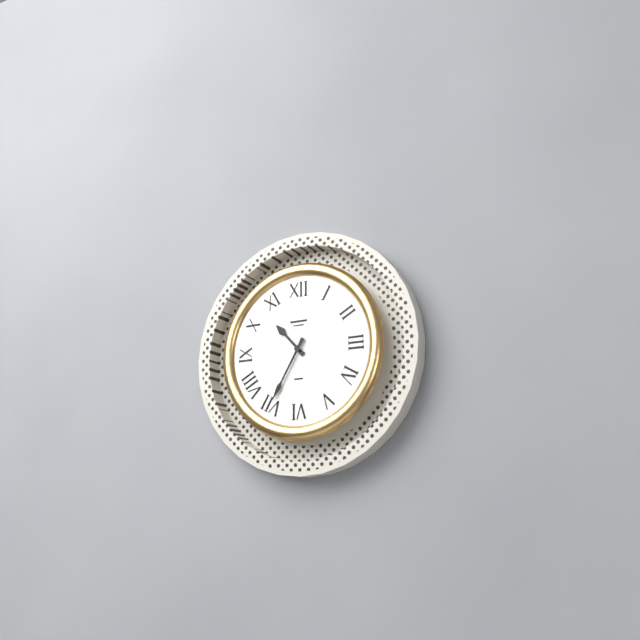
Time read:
10h35
